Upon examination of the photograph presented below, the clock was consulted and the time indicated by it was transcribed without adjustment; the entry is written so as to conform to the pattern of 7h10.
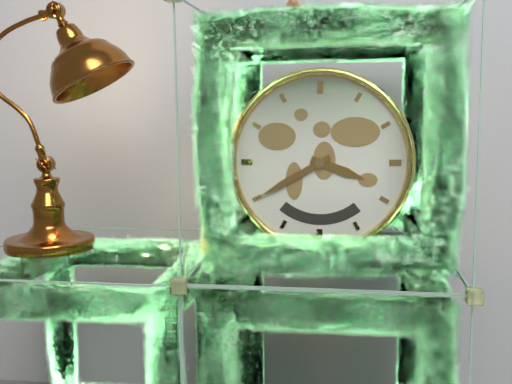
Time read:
3h40
